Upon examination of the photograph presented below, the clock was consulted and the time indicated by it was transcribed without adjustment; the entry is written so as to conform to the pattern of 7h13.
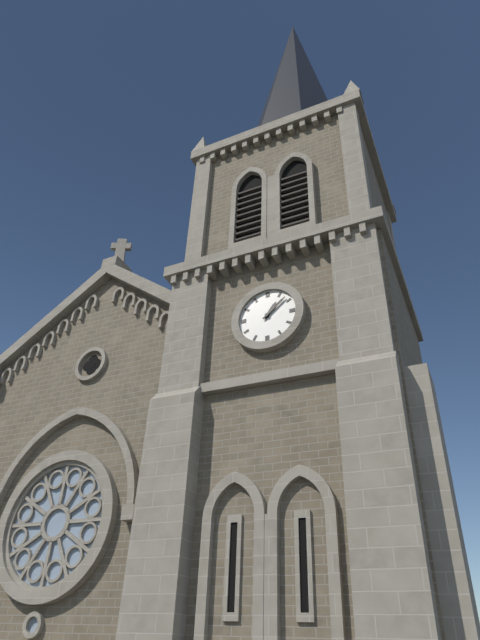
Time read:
1h08
